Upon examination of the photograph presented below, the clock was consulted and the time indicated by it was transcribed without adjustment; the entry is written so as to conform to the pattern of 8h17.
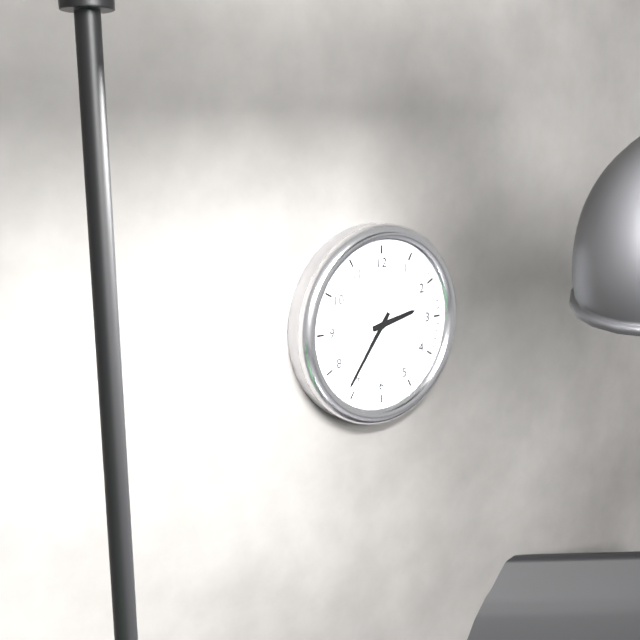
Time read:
2h36
